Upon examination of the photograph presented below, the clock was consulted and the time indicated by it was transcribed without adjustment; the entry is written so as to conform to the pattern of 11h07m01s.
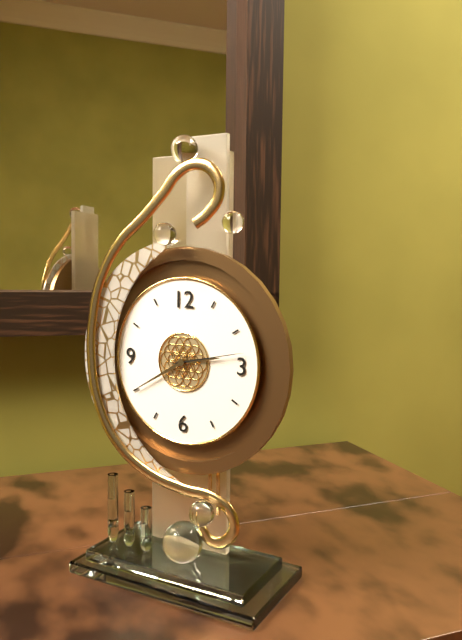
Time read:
2h40m13s
